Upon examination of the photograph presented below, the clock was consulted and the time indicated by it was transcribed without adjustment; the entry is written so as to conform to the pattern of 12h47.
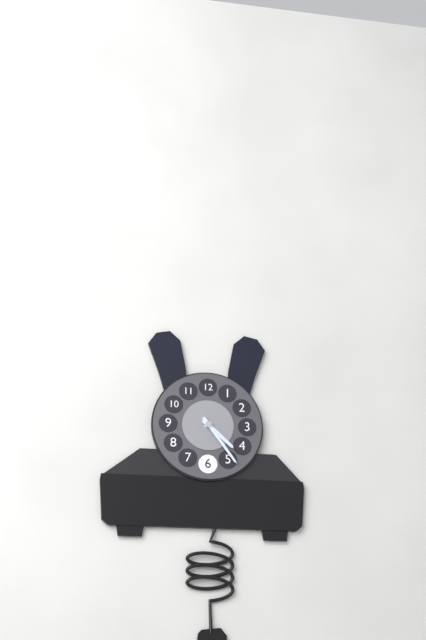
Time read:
4h24
